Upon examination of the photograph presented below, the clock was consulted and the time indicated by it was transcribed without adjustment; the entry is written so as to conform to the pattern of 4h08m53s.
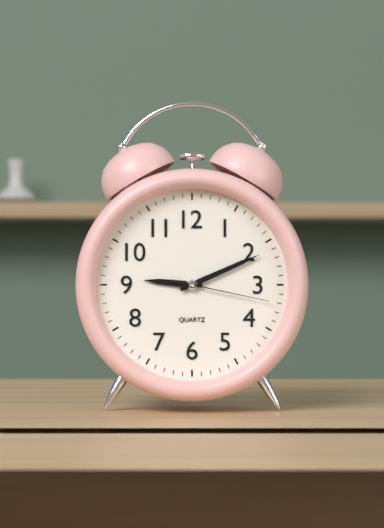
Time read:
9h11m17s
